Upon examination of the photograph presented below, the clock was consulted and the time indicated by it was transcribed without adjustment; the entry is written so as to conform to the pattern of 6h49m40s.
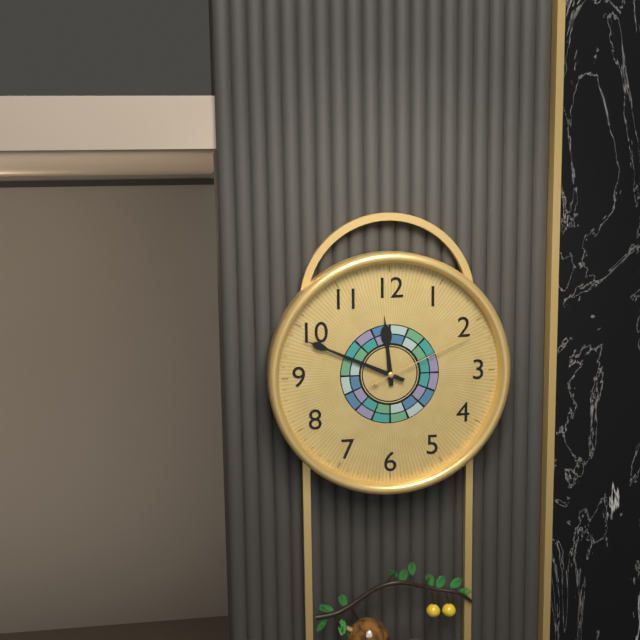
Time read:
11h49m11s
